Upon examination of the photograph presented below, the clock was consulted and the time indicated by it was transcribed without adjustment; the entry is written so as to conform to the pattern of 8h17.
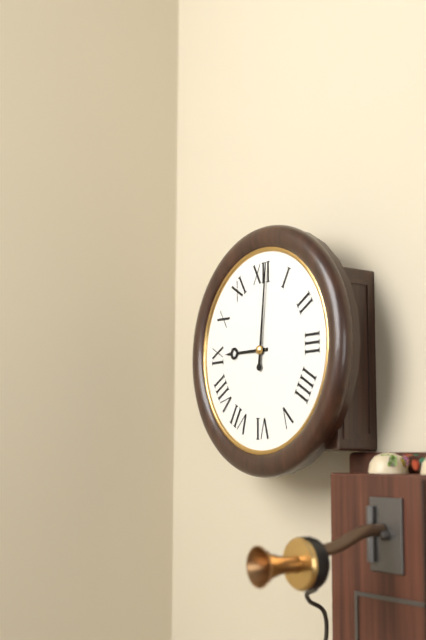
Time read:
9h01
